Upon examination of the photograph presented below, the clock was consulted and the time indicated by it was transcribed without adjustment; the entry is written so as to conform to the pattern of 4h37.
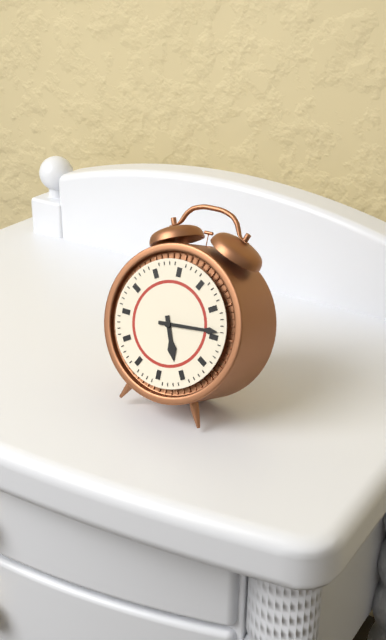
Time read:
5h14
